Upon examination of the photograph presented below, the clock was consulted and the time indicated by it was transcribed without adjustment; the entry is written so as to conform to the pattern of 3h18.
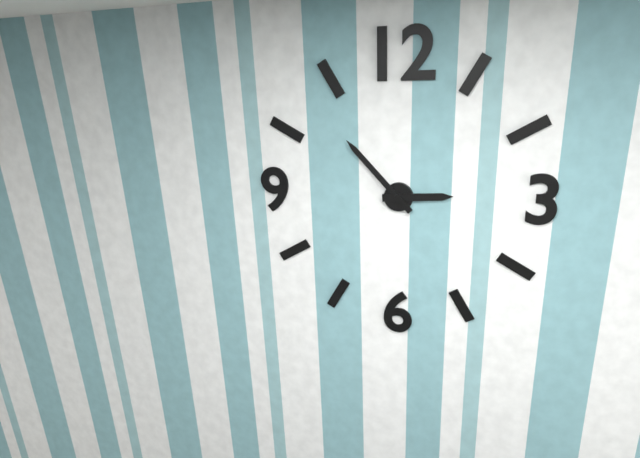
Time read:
2h53
